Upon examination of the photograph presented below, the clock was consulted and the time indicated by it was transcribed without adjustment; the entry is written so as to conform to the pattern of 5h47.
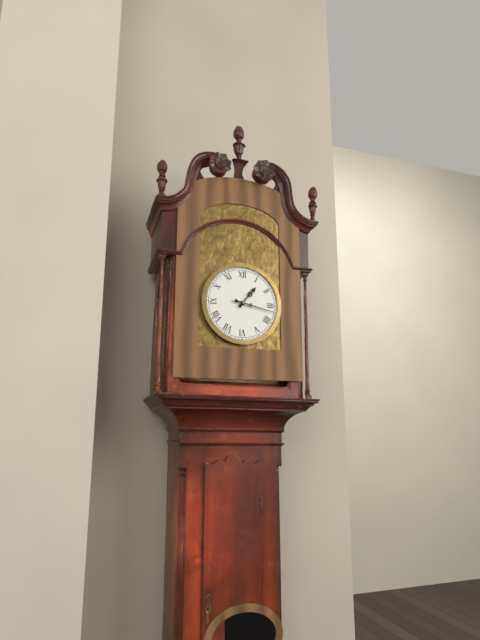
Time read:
1h17
